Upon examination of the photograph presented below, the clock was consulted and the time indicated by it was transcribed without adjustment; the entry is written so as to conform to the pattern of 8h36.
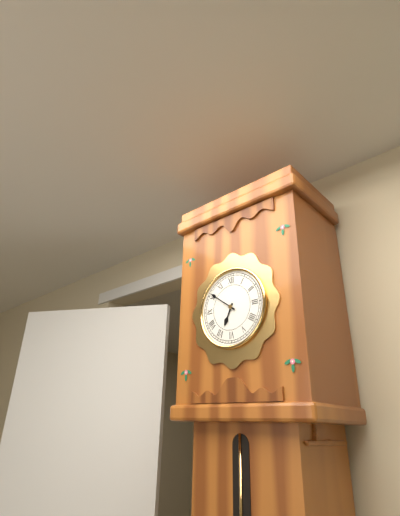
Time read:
6h51
